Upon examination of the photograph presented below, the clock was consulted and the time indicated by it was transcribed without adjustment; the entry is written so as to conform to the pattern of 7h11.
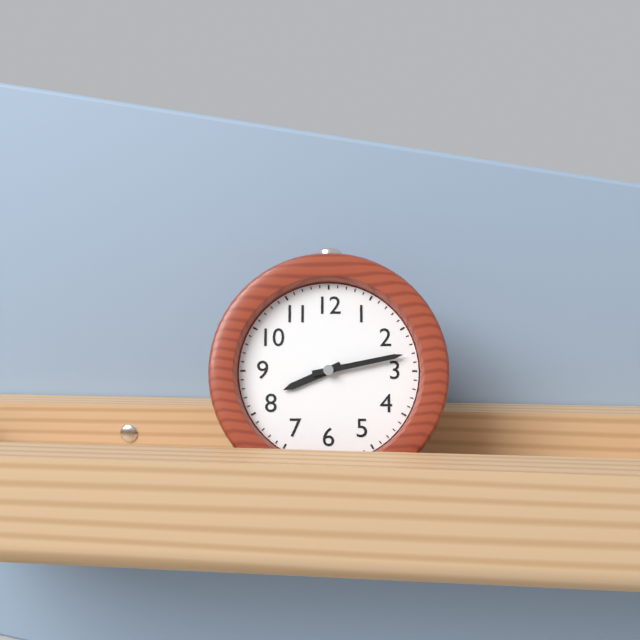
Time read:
8h13
